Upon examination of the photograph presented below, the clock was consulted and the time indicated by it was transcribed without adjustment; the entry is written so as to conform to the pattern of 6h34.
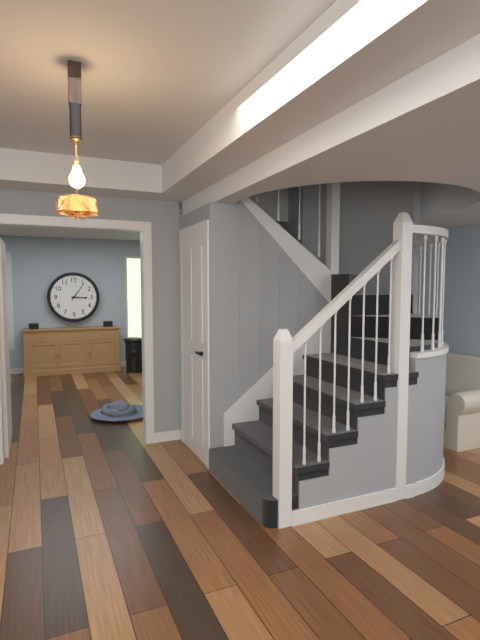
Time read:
3h06
